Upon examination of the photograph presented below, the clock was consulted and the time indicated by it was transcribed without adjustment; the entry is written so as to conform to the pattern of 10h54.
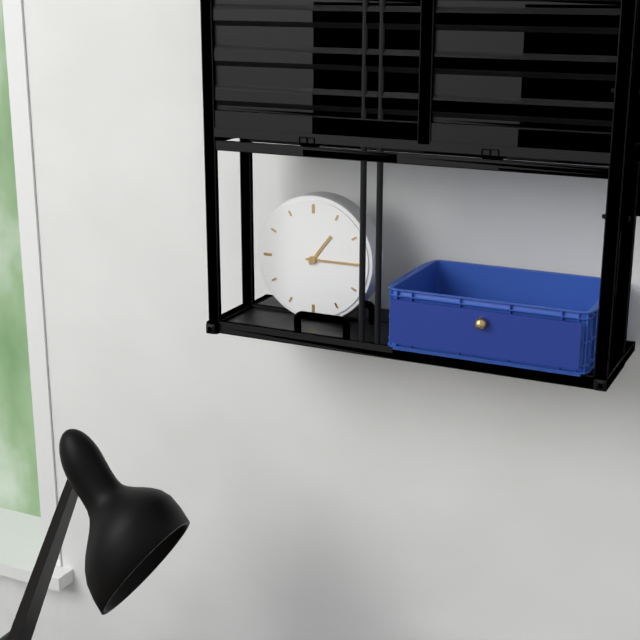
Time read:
1h15
